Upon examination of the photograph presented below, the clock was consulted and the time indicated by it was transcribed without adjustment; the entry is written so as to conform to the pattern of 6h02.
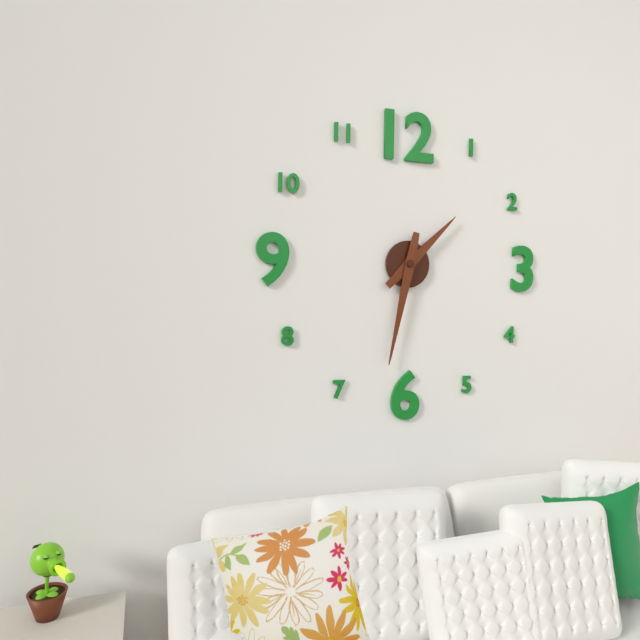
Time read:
1h32
